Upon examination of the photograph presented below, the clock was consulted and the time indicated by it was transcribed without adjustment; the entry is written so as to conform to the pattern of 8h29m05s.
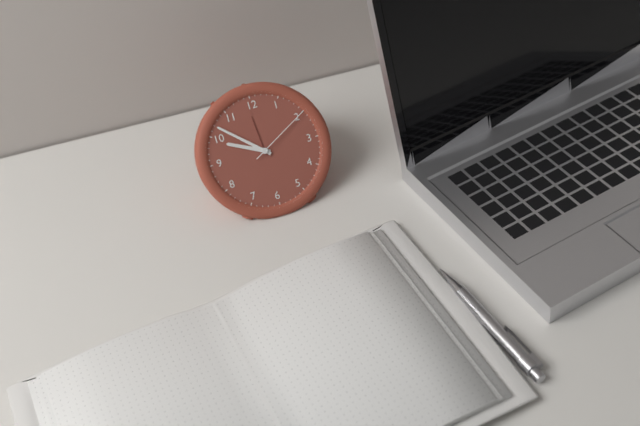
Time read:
9h52m10s
